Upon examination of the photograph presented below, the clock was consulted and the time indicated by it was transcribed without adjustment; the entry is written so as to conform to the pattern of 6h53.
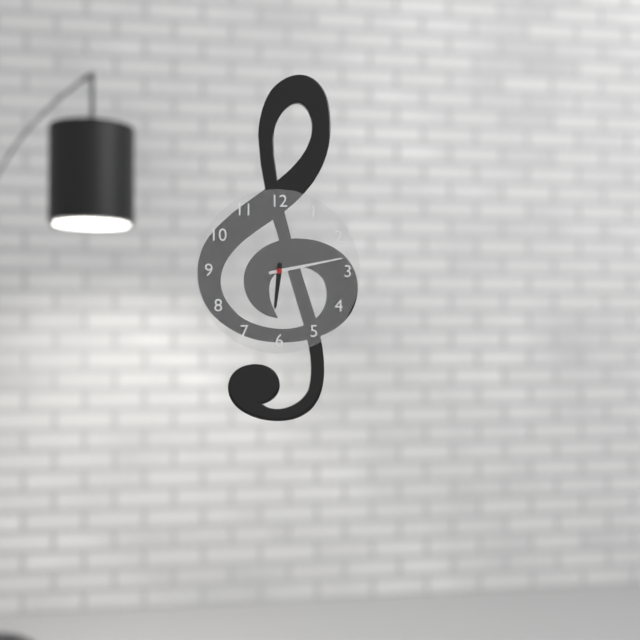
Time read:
6h13
